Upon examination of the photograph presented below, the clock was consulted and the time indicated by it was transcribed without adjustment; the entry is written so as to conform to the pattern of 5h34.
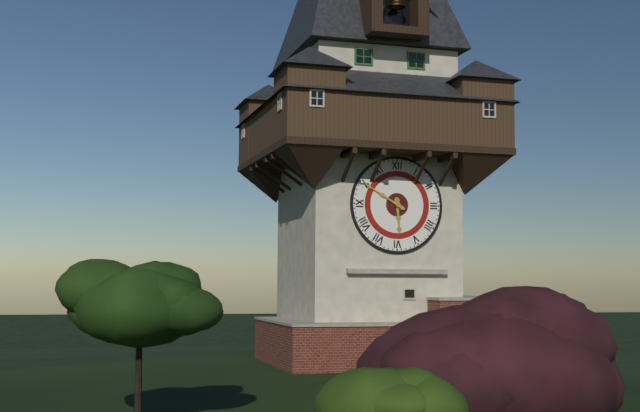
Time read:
5h50
